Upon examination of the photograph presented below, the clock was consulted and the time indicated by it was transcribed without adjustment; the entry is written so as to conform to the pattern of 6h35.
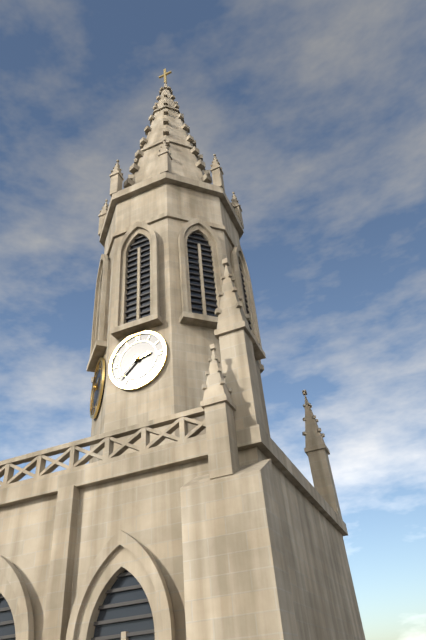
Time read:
2h38
